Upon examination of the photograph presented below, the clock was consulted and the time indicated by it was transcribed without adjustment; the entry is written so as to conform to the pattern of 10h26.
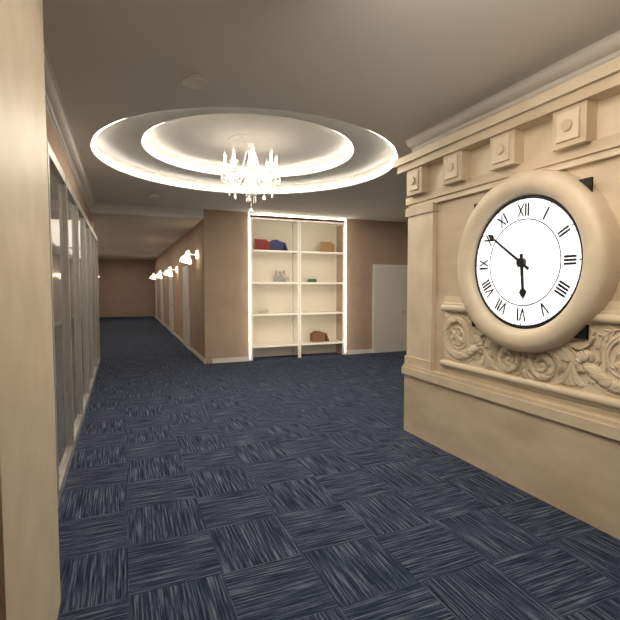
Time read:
5h51
